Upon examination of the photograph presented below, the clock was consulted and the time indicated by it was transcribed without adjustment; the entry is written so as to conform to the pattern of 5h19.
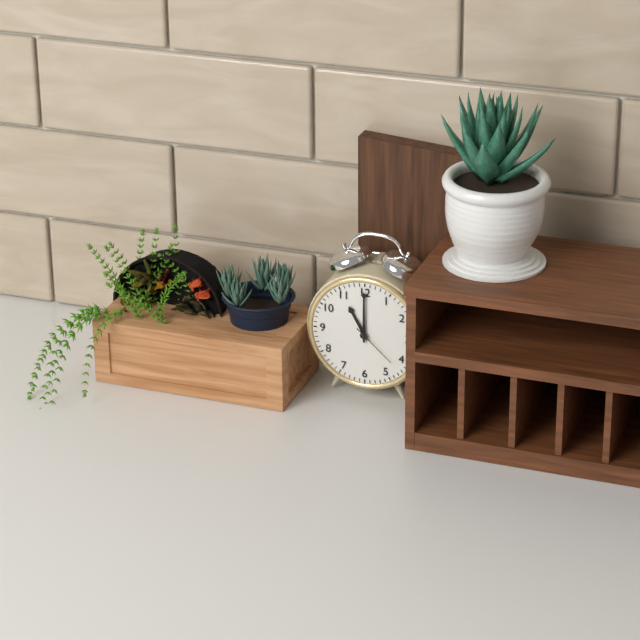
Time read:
11h00
